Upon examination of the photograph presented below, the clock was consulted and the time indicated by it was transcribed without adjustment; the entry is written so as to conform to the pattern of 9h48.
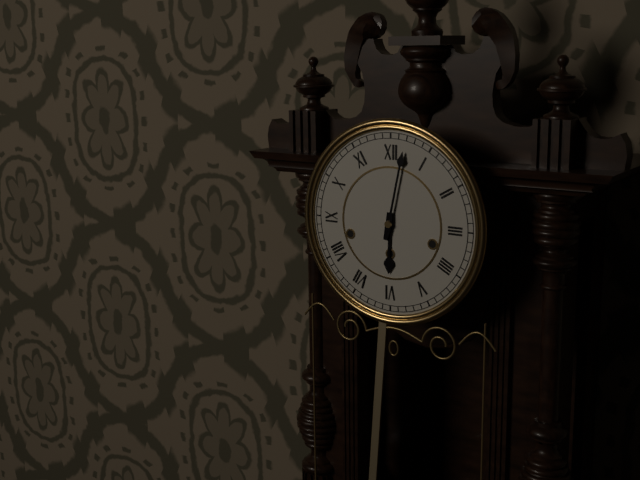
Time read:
6h02
